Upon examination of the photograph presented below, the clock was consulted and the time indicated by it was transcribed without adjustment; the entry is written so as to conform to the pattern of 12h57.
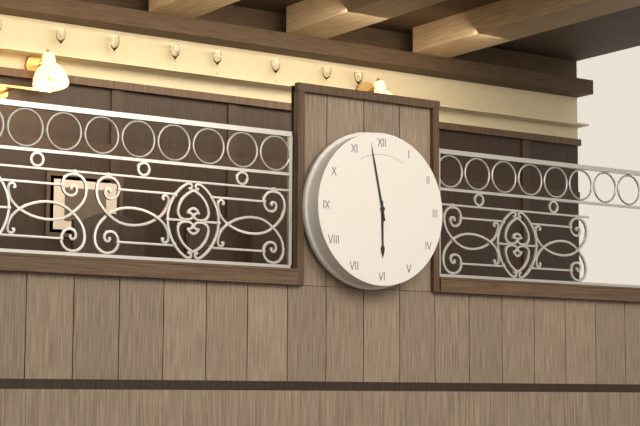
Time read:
5h58
